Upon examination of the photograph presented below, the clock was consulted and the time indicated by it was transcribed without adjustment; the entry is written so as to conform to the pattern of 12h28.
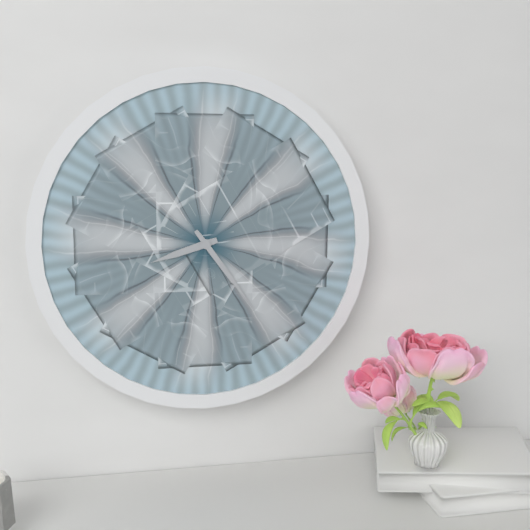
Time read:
8h24
